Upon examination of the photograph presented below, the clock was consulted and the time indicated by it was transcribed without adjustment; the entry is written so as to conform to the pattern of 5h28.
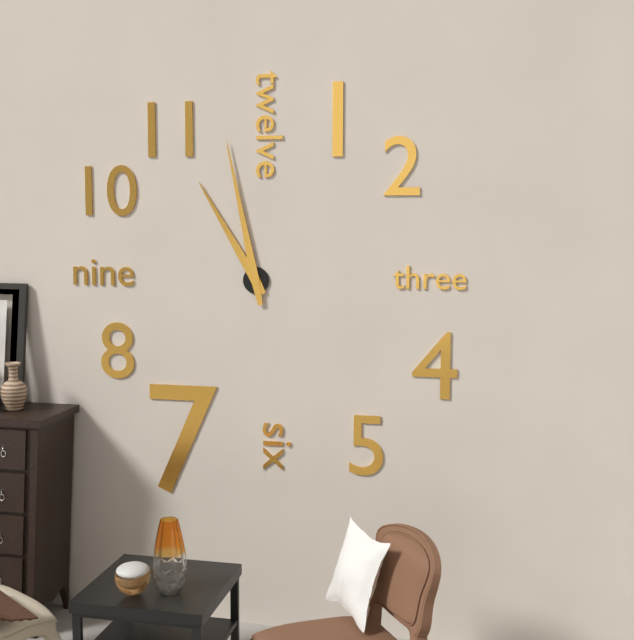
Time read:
10h58
